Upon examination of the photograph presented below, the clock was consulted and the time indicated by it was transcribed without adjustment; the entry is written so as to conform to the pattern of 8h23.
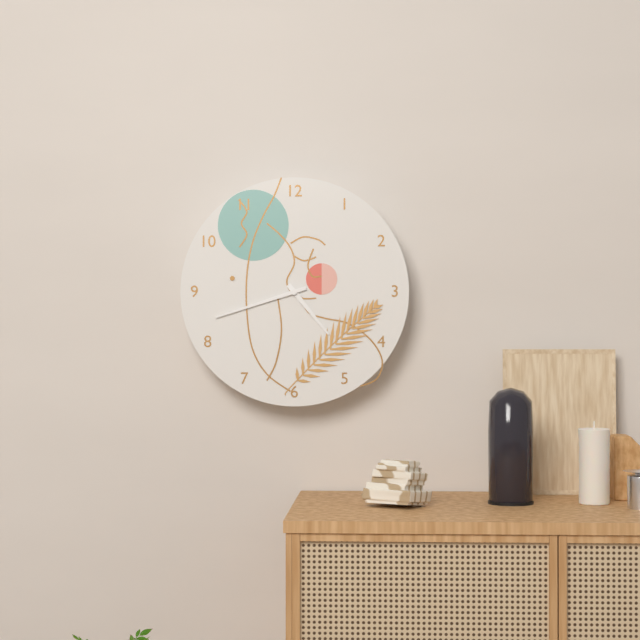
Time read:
4h42
